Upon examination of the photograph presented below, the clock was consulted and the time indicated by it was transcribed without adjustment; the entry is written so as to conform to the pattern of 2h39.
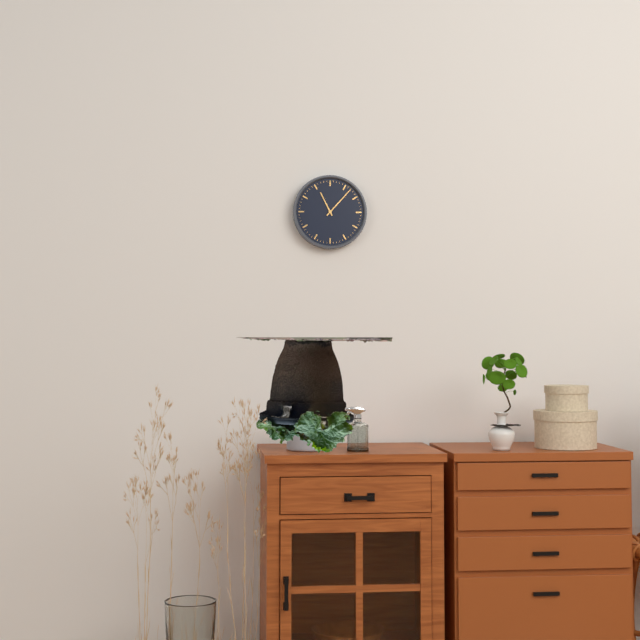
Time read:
11h07
